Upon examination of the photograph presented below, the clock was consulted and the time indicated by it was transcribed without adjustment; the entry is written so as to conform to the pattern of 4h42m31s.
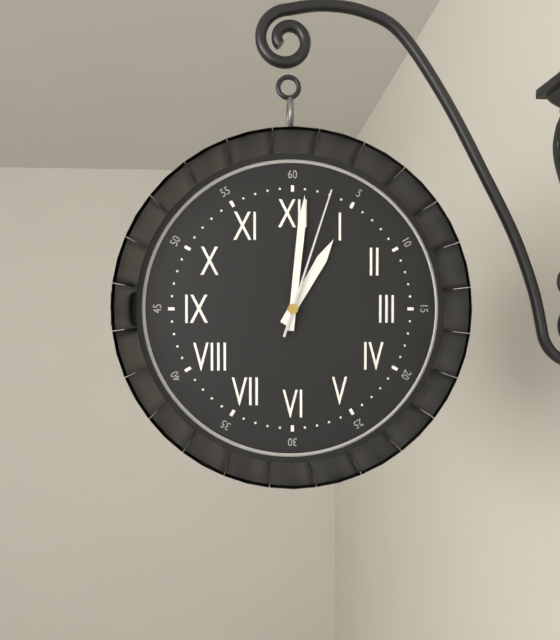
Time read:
1h01m03s
